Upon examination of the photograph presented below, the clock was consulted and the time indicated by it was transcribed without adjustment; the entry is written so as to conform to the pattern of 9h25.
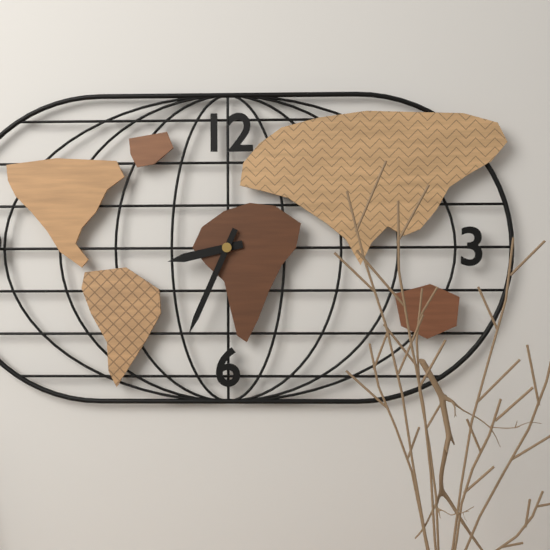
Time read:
8h34
